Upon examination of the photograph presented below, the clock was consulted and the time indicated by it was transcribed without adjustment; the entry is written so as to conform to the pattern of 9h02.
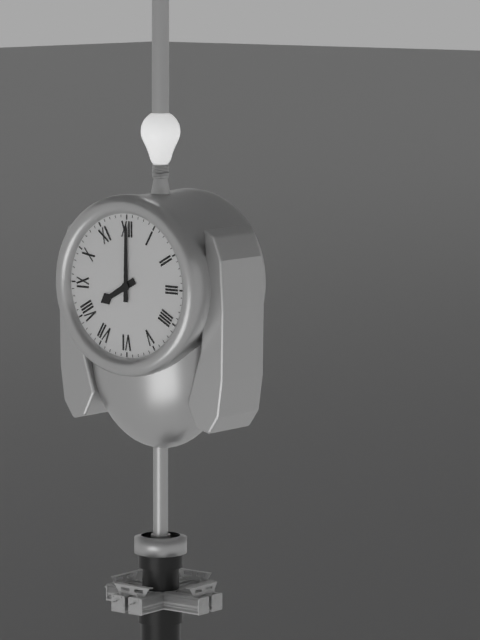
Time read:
8h00
